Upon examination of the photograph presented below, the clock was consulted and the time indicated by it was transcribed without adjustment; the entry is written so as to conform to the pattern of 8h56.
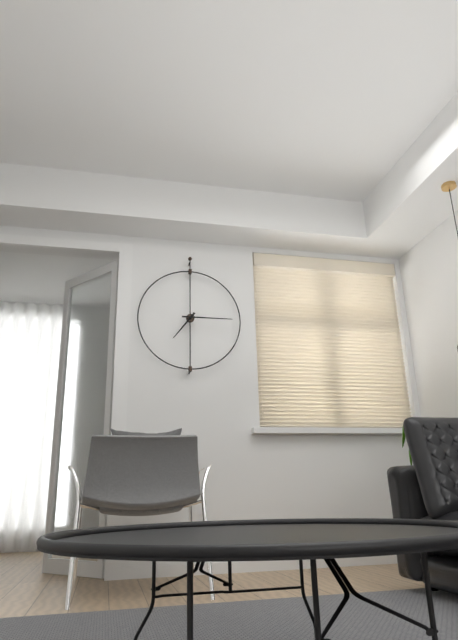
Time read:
7h15
